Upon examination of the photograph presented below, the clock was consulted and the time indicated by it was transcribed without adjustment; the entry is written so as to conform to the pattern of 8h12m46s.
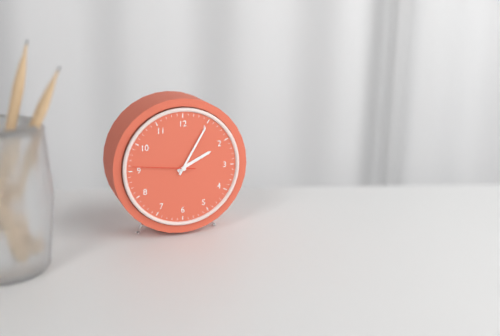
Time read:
2h05m46s
